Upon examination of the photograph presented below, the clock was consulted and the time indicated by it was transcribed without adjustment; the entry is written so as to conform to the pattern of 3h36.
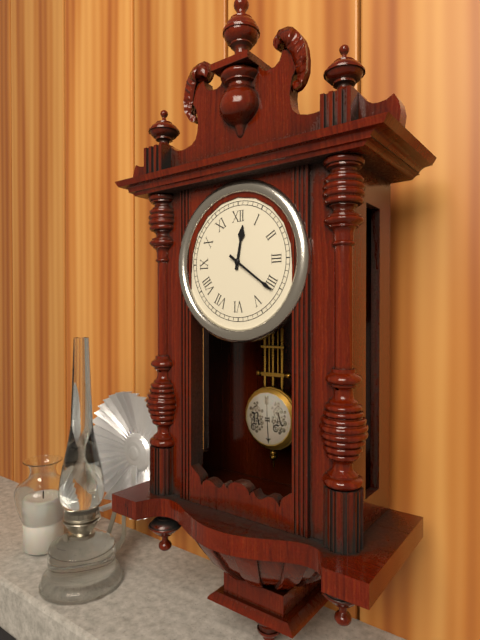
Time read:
12h21
